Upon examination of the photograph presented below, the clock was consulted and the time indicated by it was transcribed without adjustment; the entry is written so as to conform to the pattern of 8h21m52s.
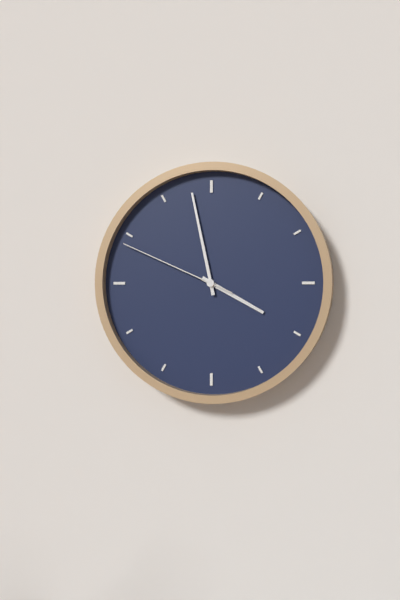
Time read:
3h58m49s
